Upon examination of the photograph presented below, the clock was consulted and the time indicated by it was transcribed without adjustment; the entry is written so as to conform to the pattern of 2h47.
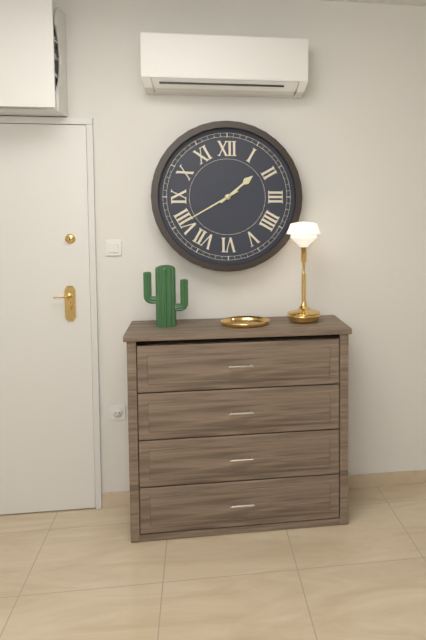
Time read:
1h40
